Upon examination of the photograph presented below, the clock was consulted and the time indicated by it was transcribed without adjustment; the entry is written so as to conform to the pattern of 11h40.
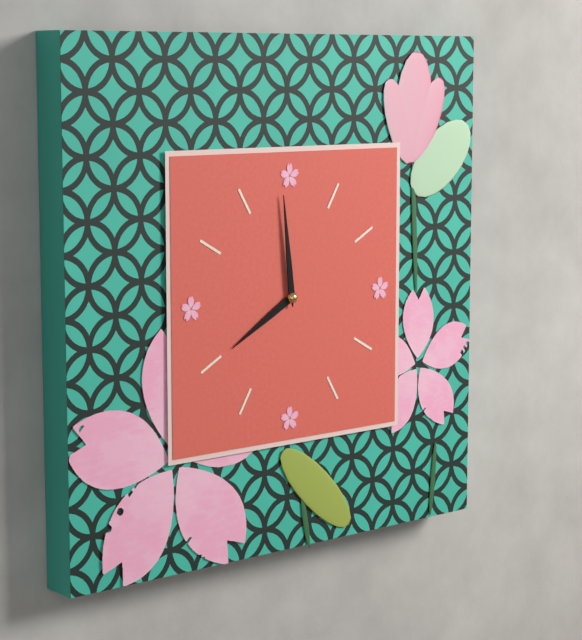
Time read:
7h59
